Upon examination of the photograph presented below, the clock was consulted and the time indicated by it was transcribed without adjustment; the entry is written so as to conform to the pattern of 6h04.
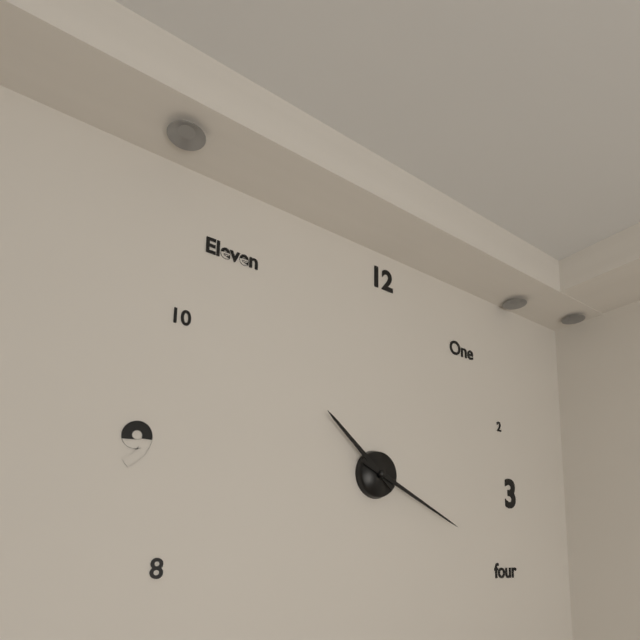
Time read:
10h19
